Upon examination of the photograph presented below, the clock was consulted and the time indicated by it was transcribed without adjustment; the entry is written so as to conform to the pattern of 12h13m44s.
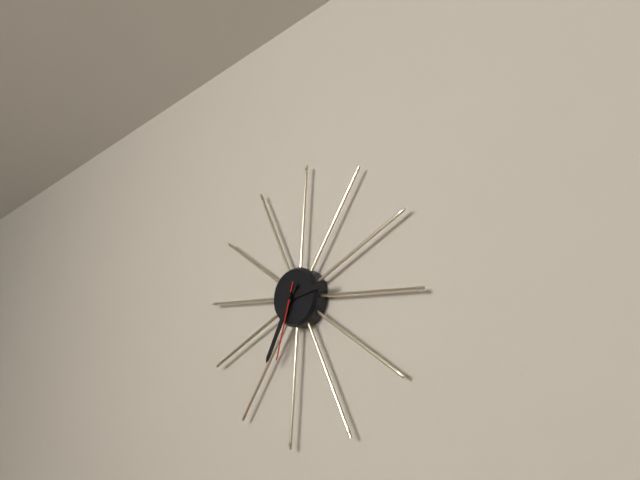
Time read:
2h34m32s
